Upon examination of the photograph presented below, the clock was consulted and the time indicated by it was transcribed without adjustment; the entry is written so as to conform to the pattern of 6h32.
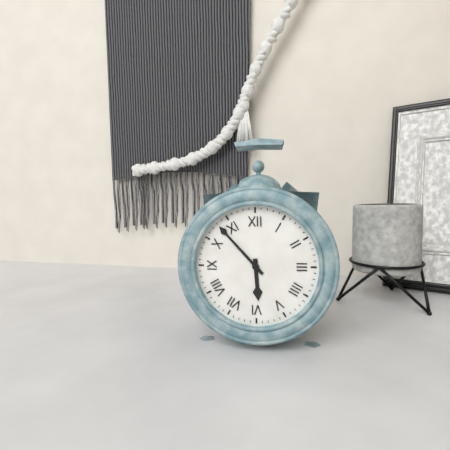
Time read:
5h53
